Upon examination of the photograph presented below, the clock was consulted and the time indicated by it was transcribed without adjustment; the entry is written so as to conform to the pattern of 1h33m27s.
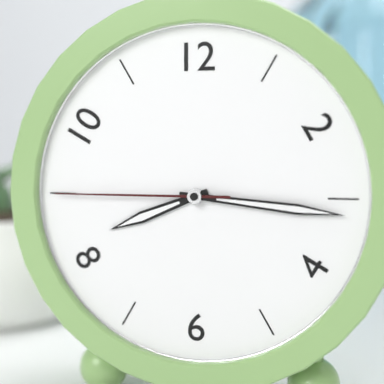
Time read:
8h16m45s
